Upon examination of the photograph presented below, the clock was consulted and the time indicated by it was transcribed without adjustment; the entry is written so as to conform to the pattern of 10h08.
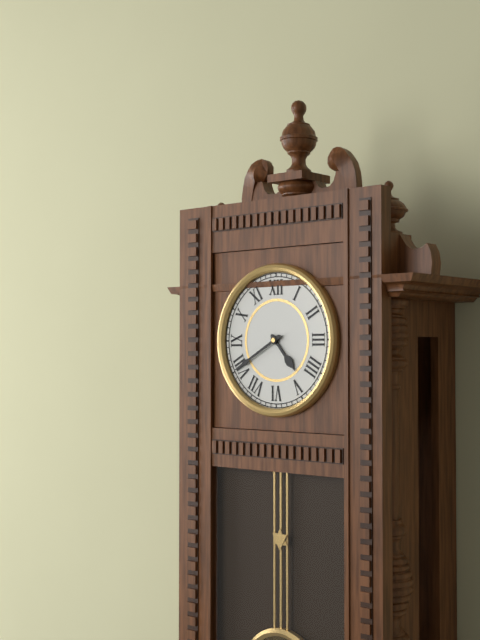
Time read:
4h40
